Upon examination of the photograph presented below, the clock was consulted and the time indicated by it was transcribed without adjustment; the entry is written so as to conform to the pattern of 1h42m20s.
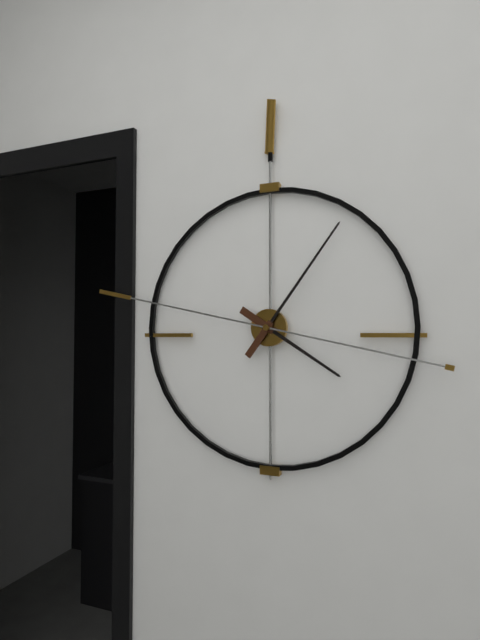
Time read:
4h06m47s
